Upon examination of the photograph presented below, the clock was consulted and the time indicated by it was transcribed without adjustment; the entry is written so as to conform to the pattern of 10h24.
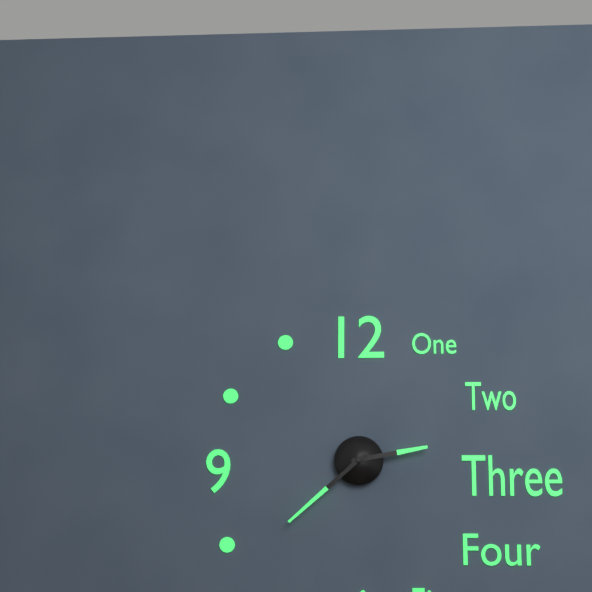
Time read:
2h38
